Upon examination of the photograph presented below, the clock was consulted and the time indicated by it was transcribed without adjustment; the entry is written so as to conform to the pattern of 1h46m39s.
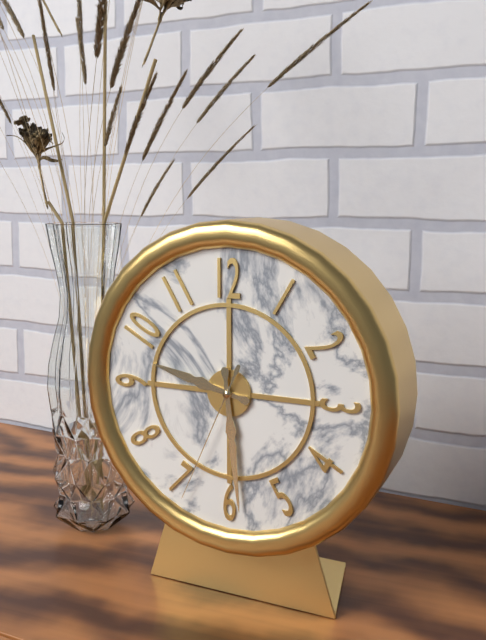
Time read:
9h29m34s
